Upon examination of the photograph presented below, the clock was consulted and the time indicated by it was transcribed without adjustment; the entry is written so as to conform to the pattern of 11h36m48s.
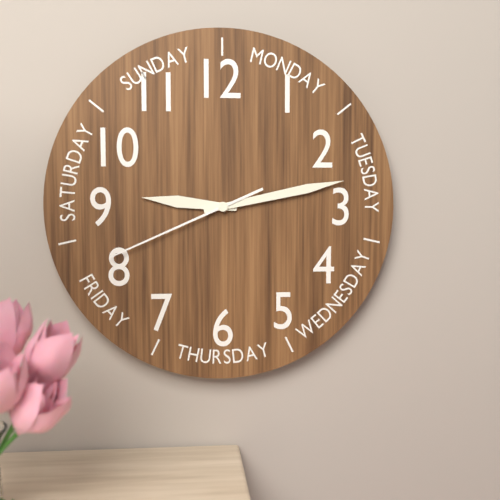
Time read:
9h13m41s
